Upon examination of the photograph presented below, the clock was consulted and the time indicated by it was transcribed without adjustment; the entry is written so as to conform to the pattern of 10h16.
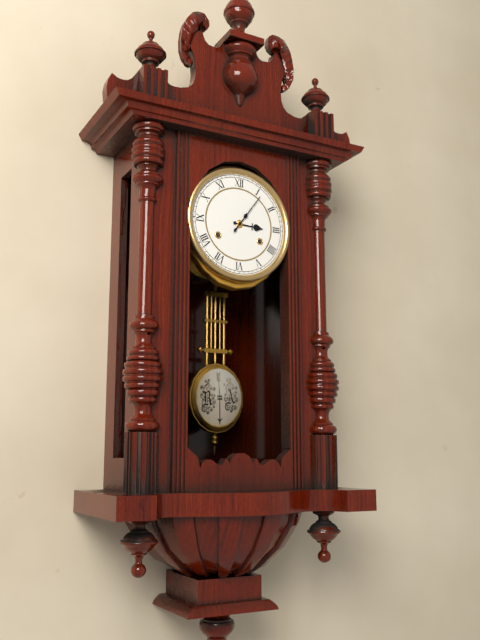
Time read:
3h06
